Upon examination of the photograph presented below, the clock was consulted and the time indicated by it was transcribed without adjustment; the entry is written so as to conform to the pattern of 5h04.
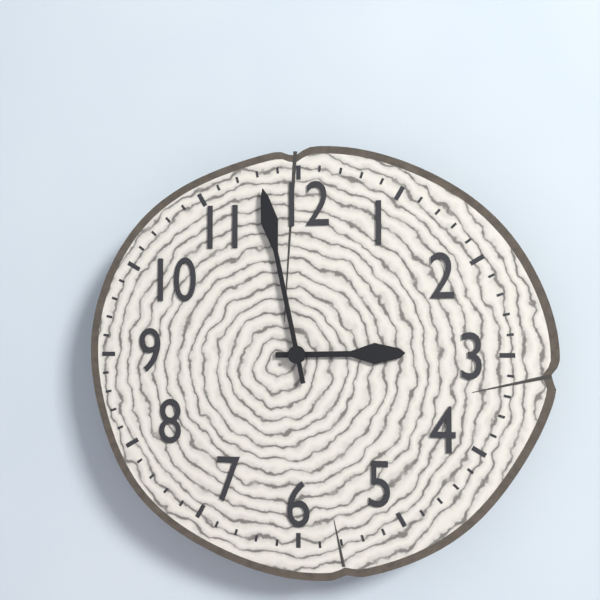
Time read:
2h58
